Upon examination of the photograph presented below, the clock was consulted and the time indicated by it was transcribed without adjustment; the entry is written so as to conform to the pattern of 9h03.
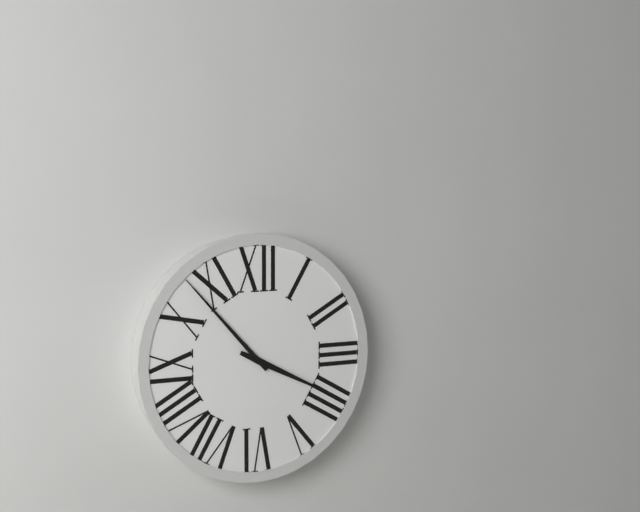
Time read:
3h53
